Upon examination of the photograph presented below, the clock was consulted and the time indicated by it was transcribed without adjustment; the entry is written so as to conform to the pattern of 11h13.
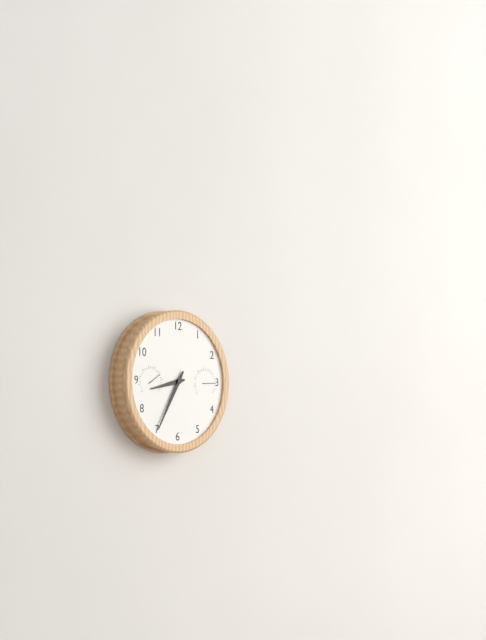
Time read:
8h35
